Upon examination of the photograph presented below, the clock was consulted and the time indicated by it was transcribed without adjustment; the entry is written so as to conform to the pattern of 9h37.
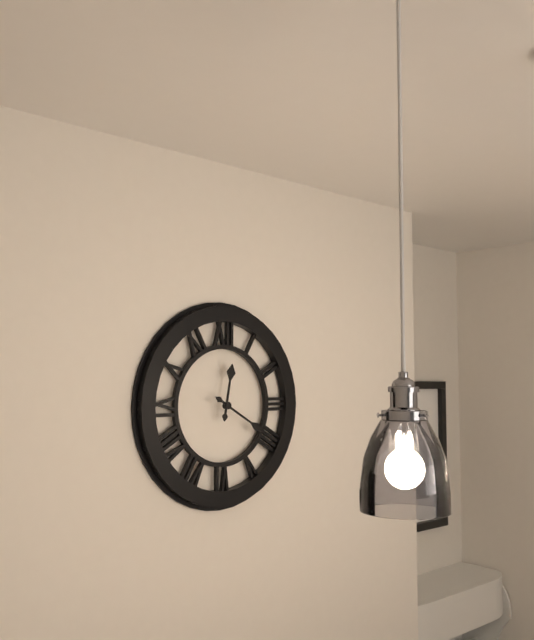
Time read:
12h20
